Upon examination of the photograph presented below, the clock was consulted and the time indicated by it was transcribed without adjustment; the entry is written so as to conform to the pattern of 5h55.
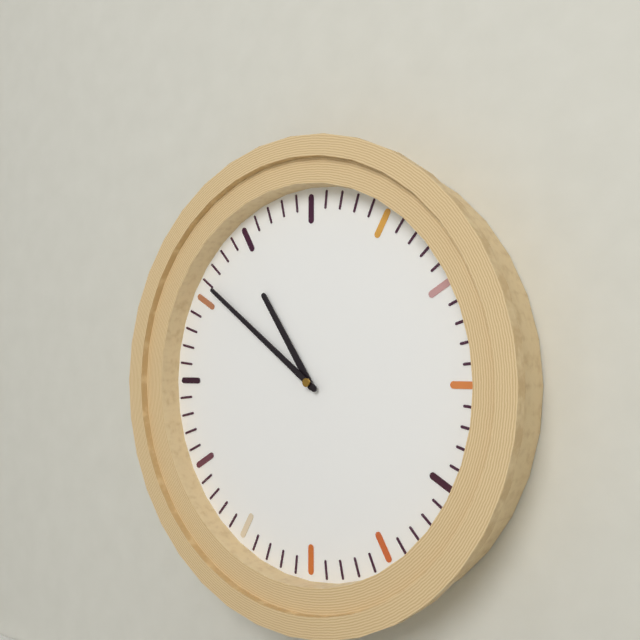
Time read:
10h51
